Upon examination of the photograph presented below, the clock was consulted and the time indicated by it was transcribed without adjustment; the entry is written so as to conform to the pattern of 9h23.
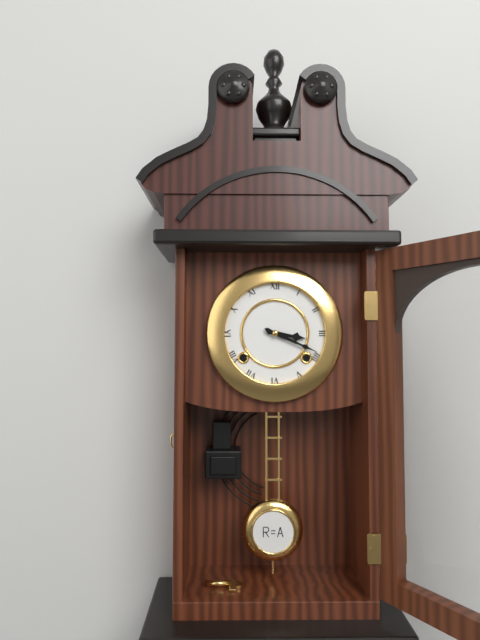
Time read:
3h19
